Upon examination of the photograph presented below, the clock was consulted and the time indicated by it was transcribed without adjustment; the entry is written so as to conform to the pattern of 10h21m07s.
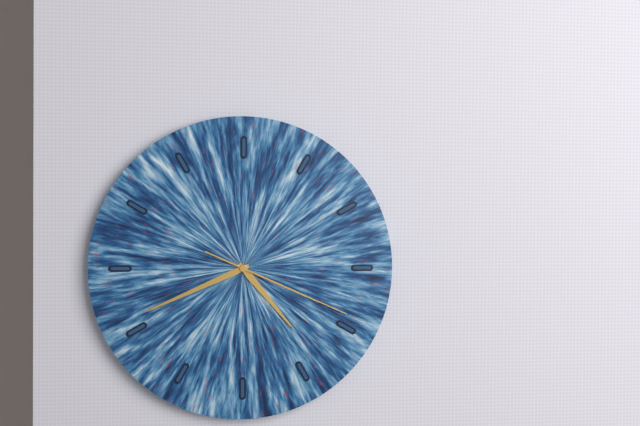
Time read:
4h41m19s
